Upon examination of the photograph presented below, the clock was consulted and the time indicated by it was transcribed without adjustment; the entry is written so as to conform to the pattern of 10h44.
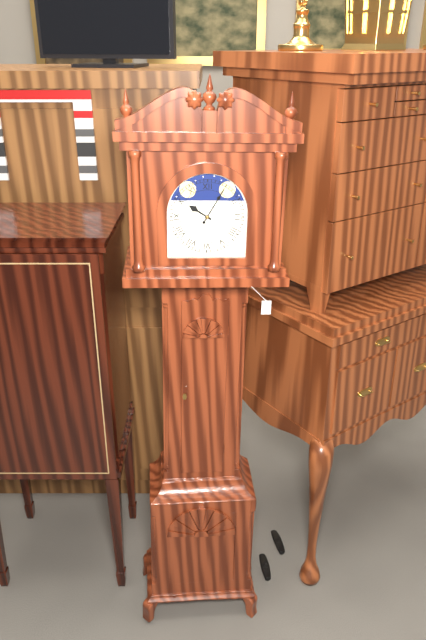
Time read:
10h05
